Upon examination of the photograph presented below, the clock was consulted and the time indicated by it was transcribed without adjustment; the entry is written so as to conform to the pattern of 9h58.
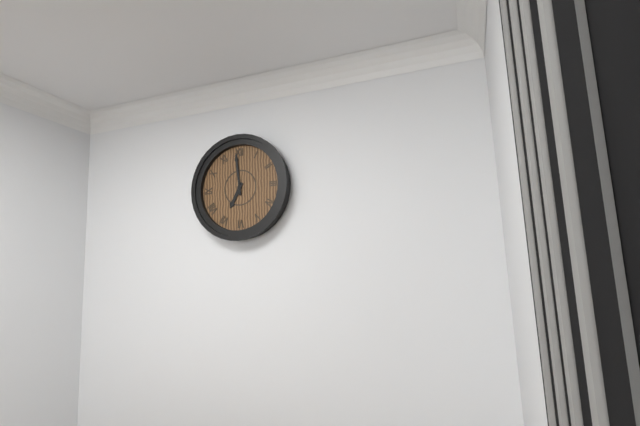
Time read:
6h59
